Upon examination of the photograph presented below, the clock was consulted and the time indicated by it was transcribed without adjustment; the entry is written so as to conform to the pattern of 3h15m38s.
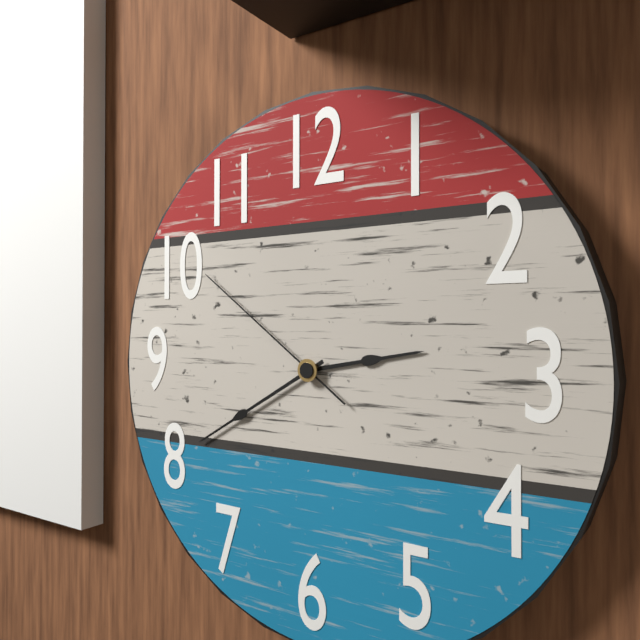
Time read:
2h40m51s
